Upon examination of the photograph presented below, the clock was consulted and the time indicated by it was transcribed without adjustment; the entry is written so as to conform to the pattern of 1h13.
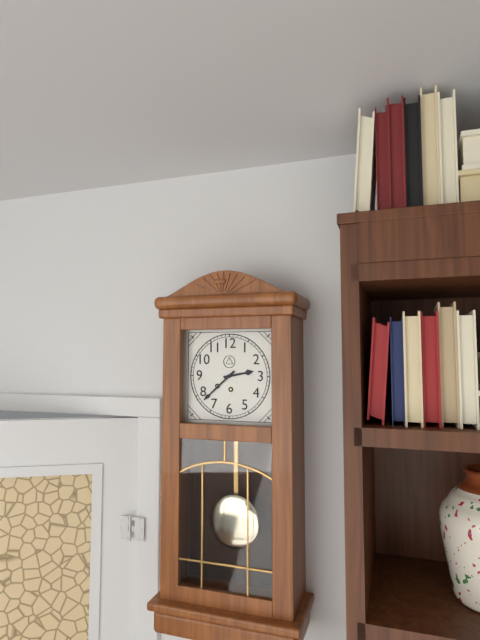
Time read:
2h38
